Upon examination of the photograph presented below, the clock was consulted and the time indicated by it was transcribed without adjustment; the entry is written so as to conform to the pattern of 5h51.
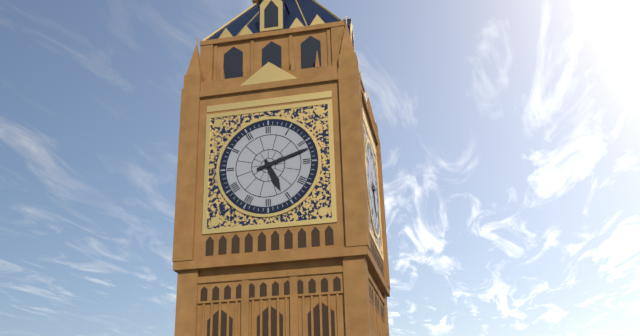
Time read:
5h12
